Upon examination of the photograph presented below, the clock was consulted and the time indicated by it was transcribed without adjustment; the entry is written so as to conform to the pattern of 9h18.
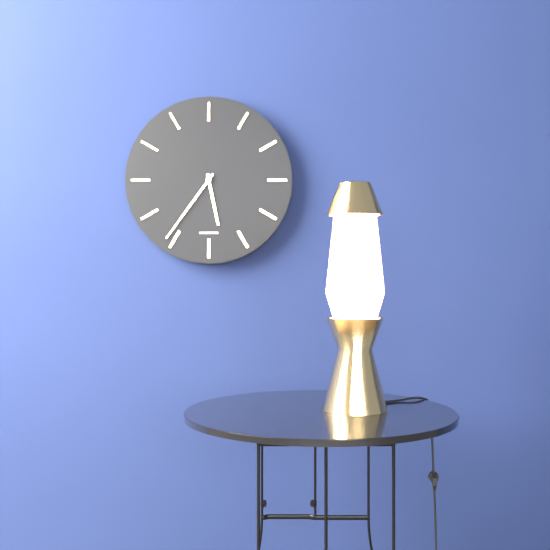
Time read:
5h36
